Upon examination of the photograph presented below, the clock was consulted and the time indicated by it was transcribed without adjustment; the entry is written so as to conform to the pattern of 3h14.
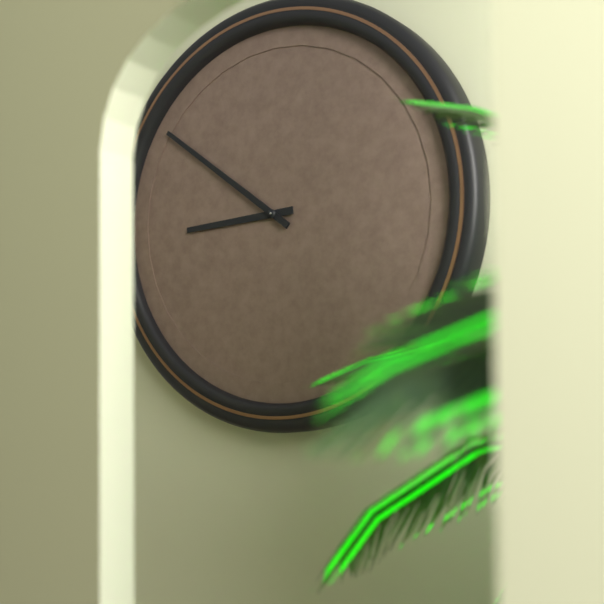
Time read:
8h51
